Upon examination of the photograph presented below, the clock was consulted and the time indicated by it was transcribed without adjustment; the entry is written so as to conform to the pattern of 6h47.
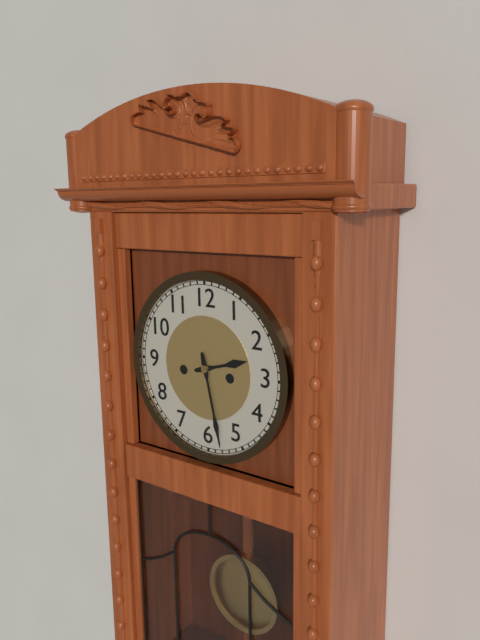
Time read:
2h28
